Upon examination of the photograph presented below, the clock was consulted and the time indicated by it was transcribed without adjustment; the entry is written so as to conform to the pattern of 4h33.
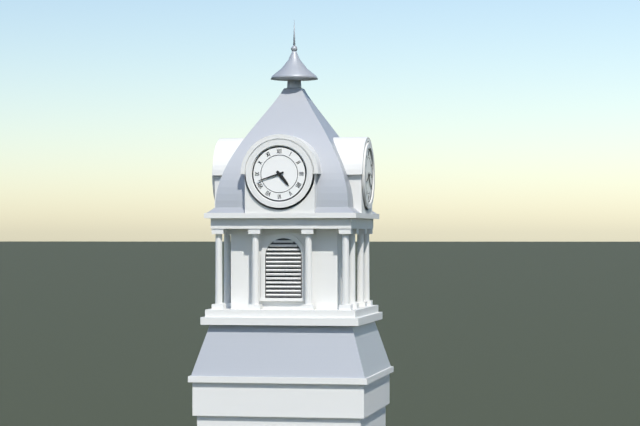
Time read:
4h42
